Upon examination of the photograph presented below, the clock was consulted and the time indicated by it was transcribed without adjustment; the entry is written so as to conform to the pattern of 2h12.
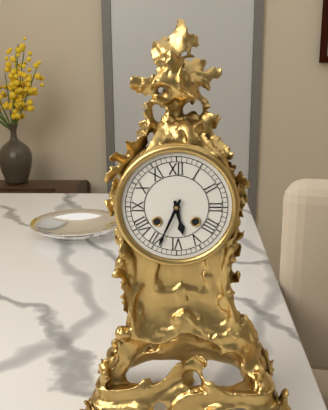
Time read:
5h34
